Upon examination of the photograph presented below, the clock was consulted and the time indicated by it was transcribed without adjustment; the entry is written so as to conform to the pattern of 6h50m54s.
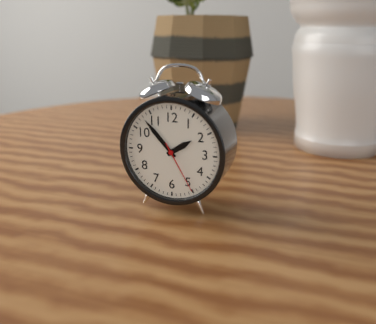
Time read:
1h53m25s
